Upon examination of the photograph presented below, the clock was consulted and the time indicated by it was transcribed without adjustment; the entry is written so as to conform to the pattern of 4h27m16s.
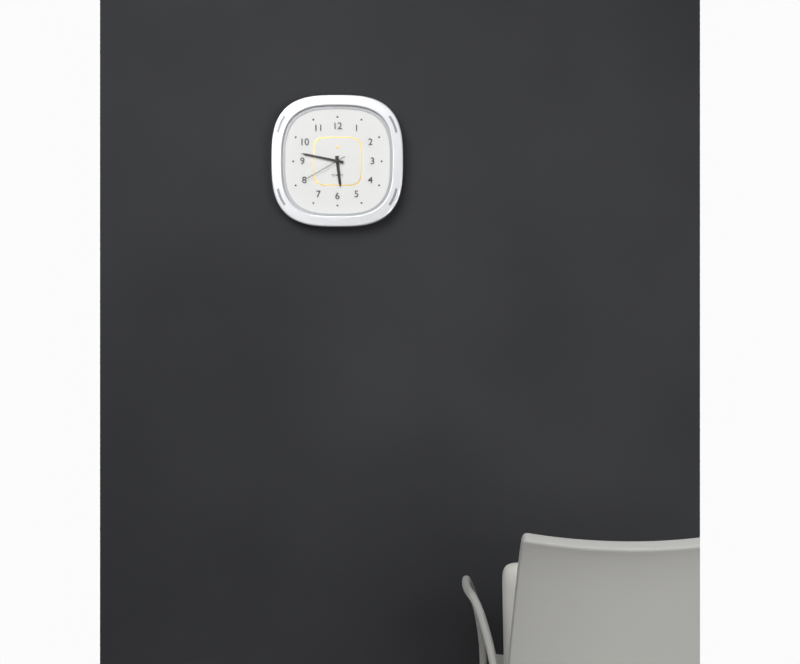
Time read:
5h47m40s
